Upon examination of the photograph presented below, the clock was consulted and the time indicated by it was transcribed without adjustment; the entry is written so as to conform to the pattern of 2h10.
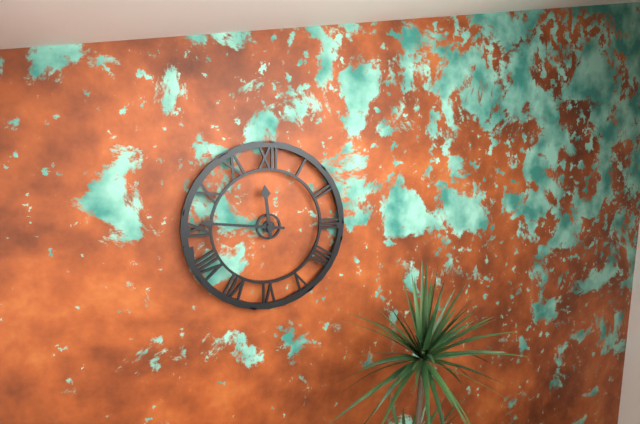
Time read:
11h46
